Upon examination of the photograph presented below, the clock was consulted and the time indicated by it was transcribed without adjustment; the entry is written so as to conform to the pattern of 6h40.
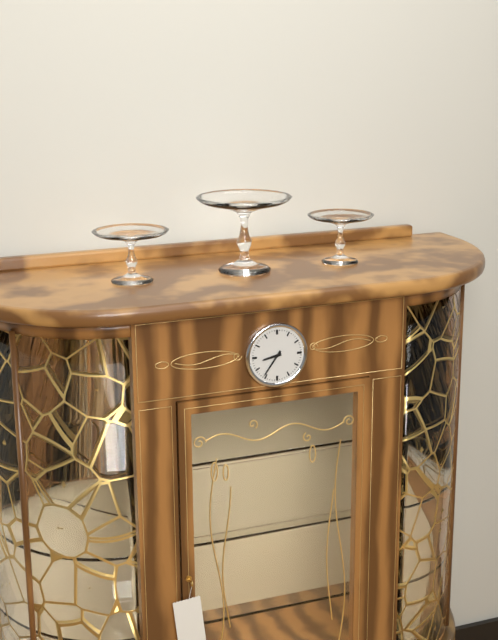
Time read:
8h36
